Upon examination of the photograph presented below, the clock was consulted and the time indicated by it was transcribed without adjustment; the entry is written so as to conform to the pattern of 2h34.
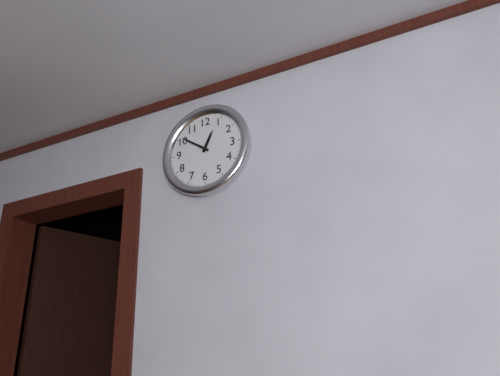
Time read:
12h51
